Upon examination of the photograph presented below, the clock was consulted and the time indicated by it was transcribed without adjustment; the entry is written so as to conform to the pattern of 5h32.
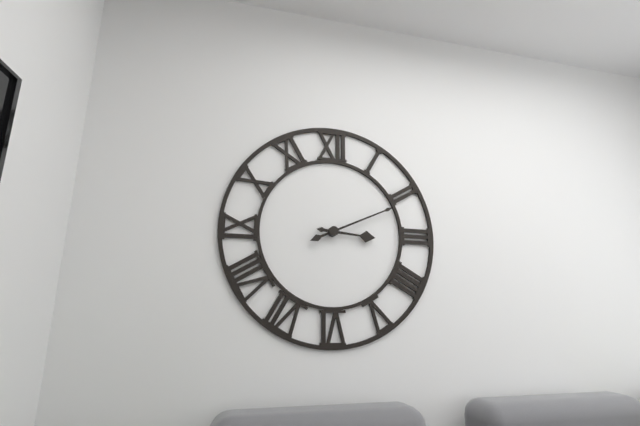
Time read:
3h11
